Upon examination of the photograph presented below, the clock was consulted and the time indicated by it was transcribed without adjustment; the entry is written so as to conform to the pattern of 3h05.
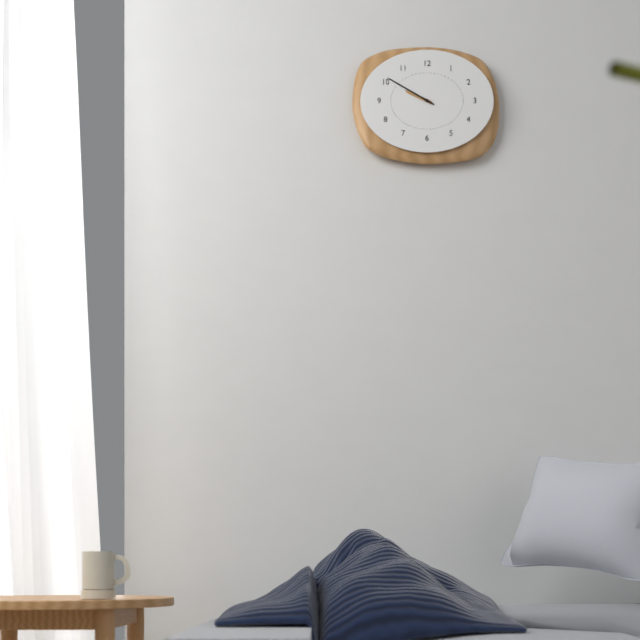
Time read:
9h50
